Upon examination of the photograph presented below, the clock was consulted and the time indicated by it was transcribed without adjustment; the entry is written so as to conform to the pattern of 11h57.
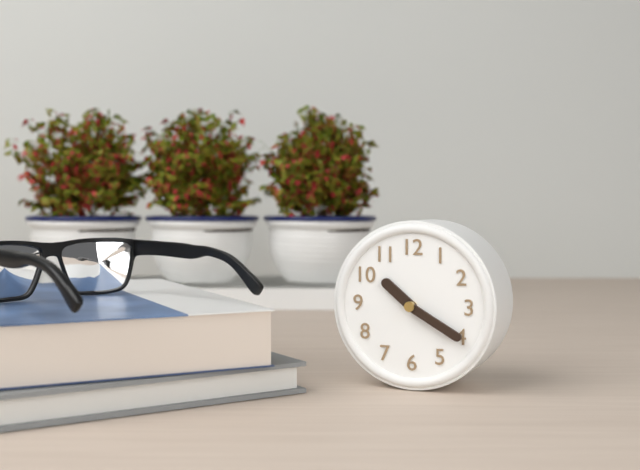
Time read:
10h20
